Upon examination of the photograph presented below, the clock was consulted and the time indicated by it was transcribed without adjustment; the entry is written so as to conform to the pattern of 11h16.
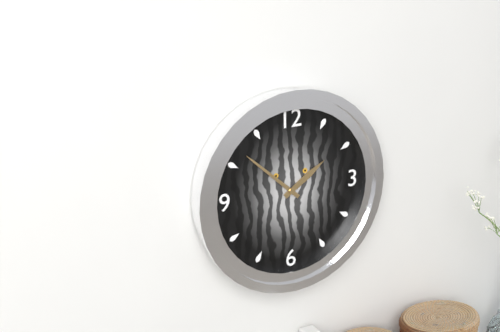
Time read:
1h52
